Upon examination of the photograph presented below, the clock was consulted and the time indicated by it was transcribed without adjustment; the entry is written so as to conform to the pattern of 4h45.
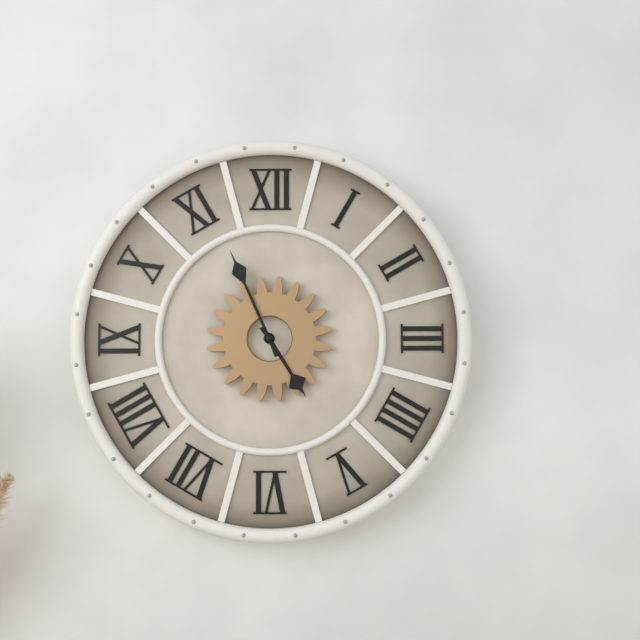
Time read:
4h56
